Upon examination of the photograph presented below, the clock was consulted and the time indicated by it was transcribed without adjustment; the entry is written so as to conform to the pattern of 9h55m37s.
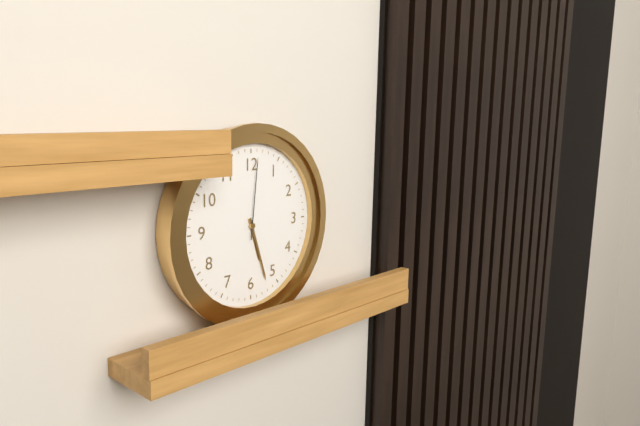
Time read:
5h27m01s
